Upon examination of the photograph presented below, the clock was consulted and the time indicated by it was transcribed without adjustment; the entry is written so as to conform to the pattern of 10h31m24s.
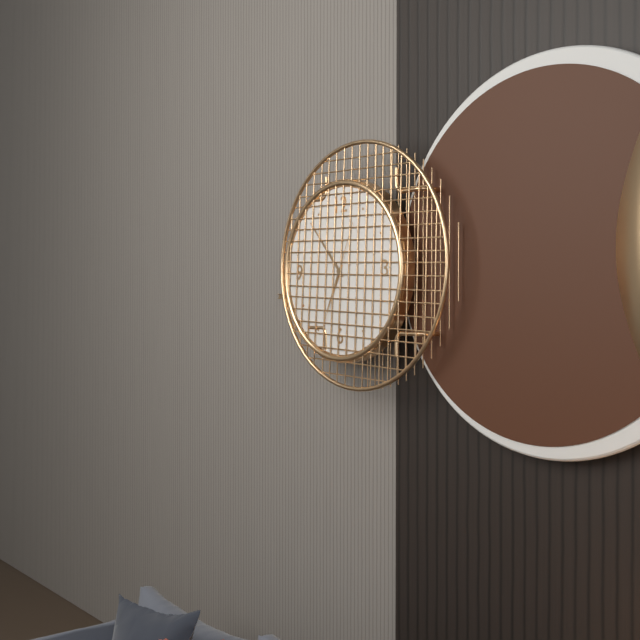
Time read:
6h53m34s
